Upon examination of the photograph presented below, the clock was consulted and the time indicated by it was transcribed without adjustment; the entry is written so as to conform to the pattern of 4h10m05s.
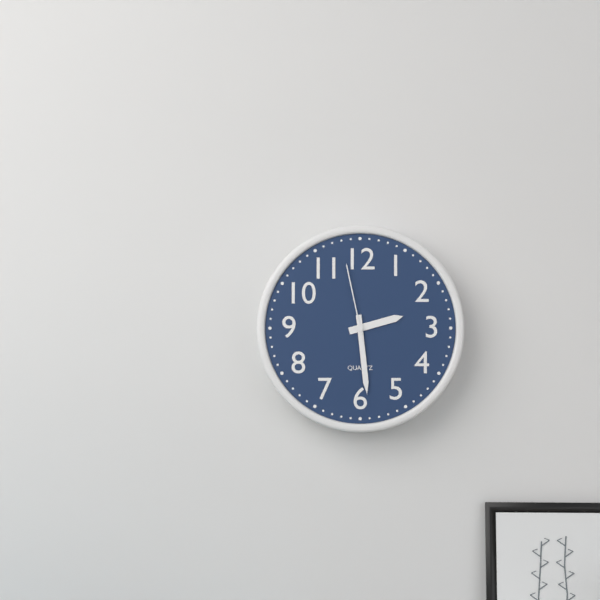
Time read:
2h29m58s
